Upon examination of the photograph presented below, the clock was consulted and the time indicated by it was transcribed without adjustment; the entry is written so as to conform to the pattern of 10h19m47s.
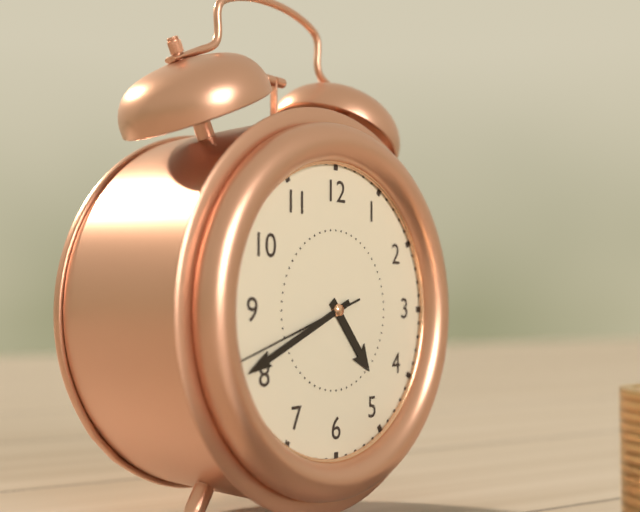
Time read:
4h41m42s
